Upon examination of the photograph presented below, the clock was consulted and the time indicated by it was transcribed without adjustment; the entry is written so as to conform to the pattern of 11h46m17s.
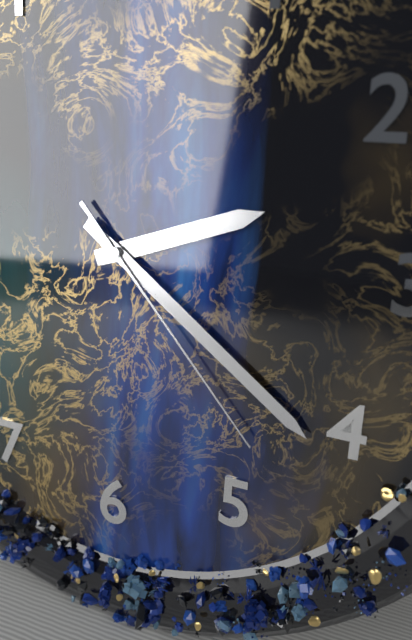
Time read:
2h21m23s
